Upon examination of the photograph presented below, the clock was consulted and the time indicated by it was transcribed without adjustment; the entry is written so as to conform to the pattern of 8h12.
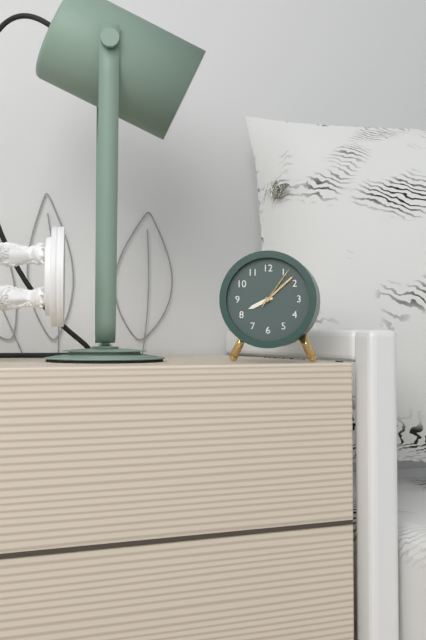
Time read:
8h08
